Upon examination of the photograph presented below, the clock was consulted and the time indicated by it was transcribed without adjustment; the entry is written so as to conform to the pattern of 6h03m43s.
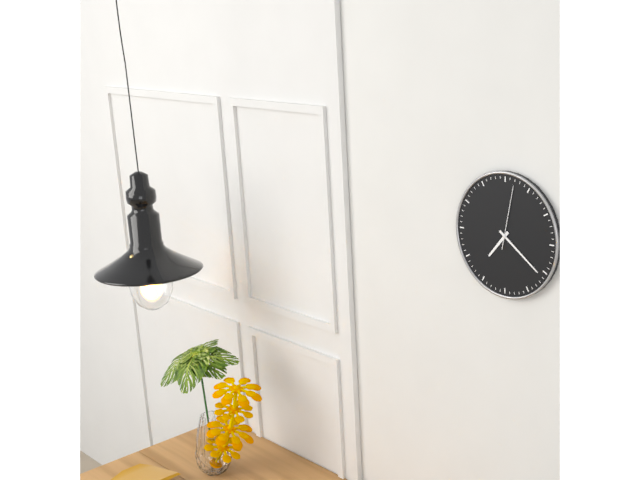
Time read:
7h21m02s
